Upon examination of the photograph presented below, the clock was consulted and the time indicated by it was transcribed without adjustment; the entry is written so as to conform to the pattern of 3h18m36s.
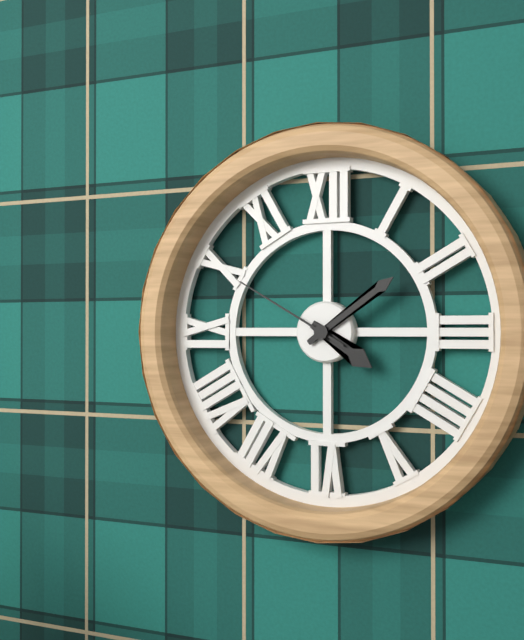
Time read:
4h09m50s
